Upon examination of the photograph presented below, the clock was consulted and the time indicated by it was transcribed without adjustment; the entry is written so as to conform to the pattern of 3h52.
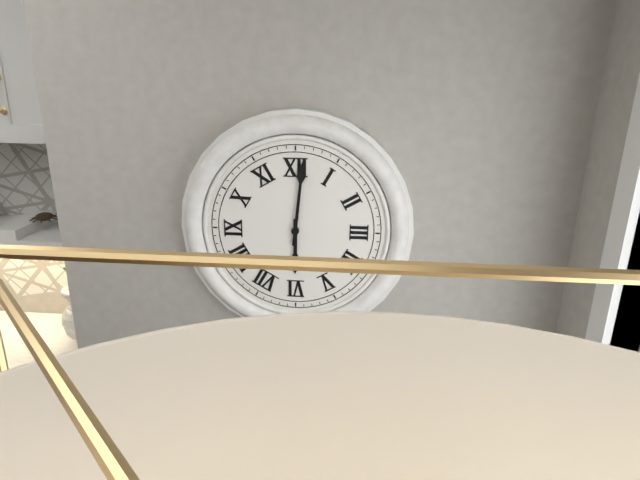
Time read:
6h01
